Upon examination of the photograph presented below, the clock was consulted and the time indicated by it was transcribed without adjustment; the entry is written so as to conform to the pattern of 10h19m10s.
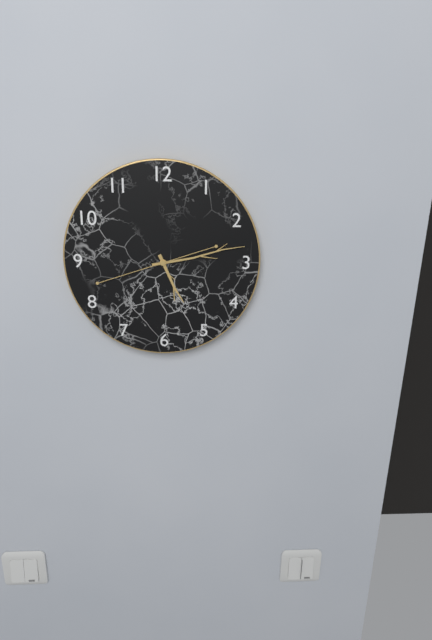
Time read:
5h13m42s
